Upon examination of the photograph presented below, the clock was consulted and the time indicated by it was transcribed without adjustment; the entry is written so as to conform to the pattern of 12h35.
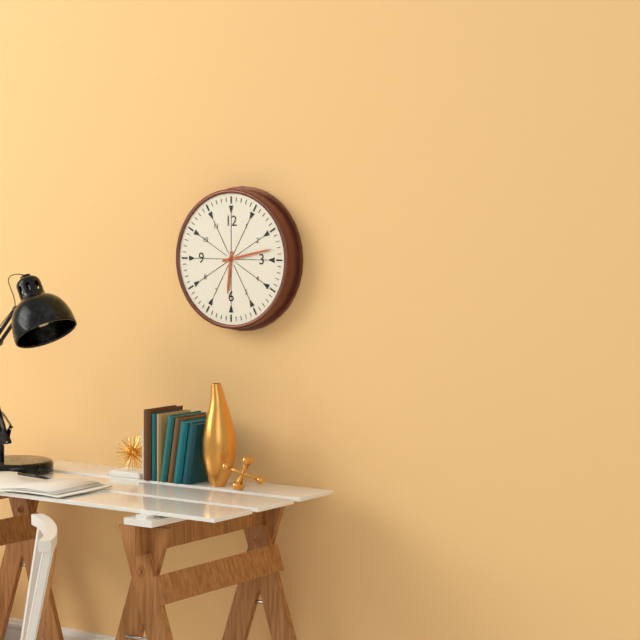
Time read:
6h13
